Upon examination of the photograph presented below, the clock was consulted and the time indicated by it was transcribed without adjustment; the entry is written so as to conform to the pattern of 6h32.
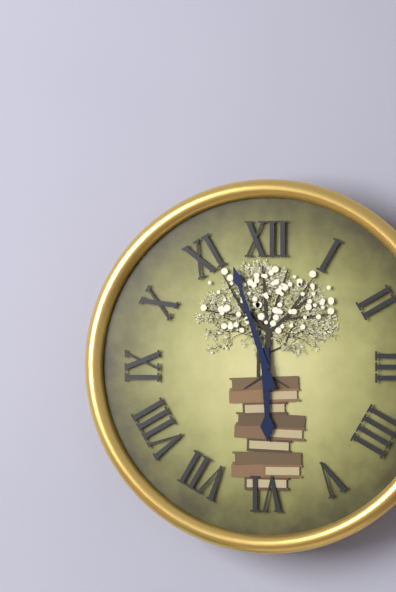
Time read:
5h57
